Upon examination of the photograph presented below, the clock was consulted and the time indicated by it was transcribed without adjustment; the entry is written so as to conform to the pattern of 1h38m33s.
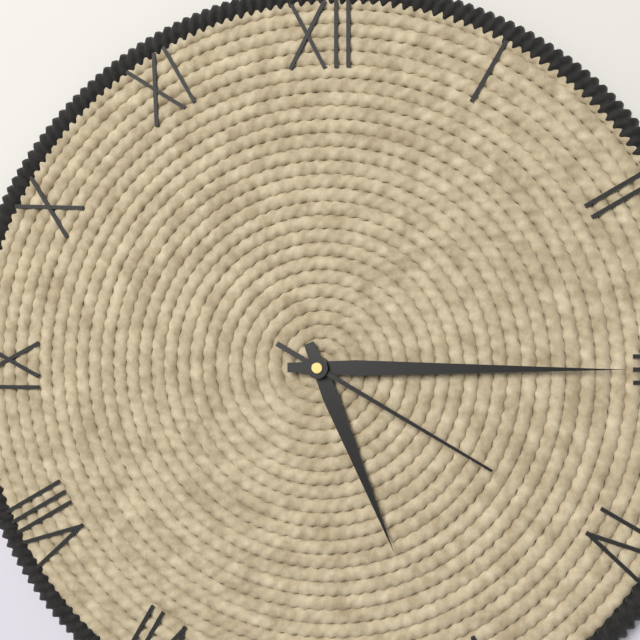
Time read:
5h15m20s
